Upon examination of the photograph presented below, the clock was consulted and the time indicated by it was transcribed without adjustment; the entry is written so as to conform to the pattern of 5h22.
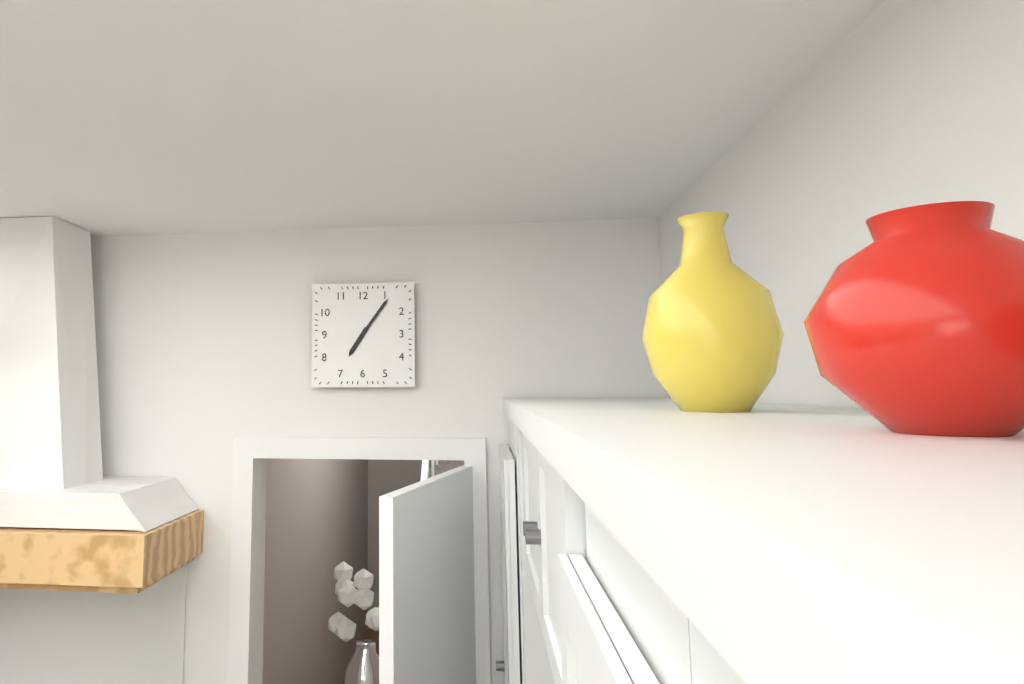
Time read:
7h06
